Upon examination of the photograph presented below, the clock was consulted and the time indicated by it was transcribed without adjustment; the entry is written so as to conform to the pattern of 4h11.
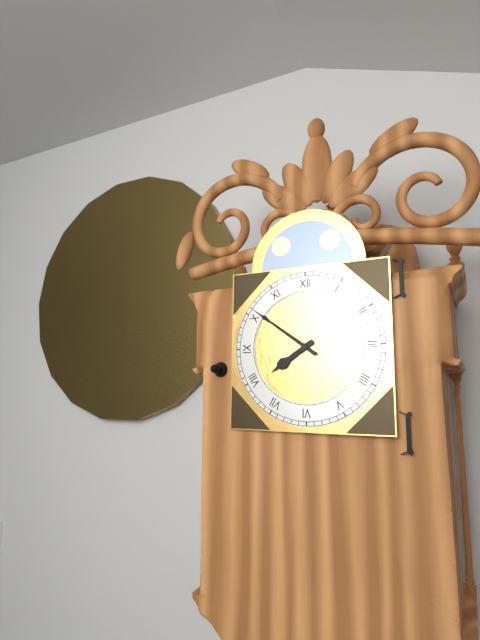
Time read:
7h51
